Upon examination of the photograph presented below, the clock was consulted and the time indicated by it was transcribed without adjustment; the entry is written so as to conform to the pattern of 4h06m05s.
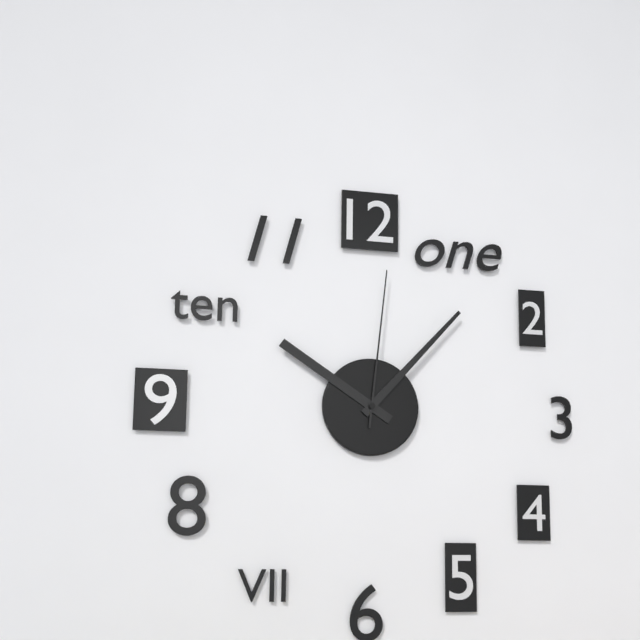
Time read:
10h07m01s
